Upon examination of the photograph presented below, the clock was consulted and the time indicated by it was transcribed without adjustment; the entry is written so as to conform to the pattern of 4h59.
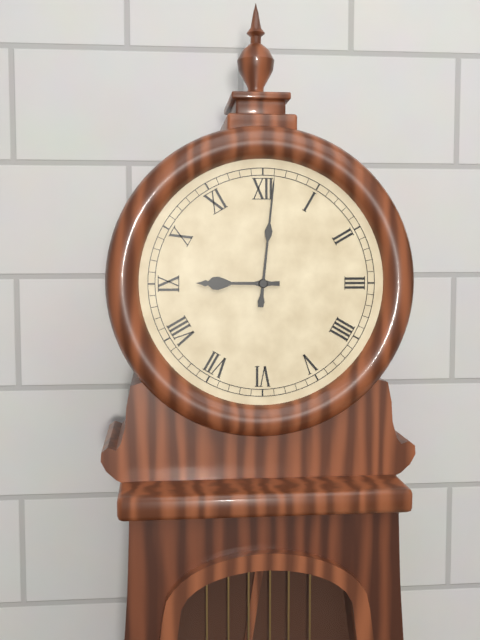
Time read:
9h01
